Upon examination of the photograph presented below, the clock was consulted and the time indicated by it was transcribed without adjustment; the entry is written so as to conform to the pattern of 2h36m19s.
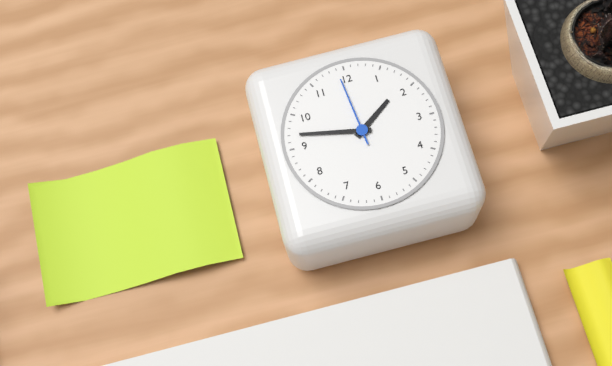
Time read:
1h47m59s
